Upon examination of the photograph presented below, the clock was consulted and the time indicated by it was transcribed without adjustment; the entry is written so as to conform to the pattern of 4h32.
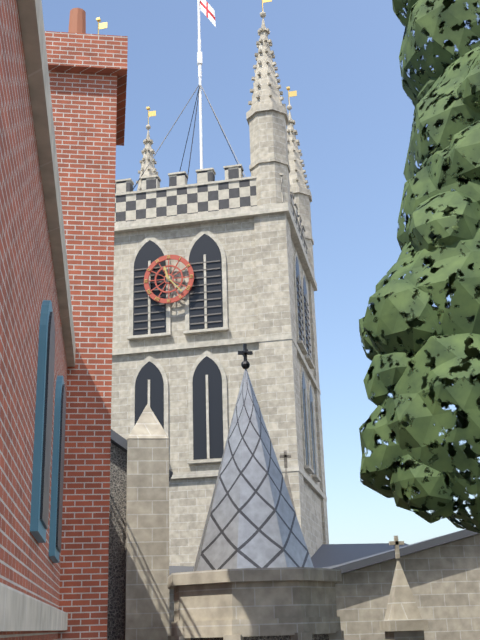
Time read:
11h23
